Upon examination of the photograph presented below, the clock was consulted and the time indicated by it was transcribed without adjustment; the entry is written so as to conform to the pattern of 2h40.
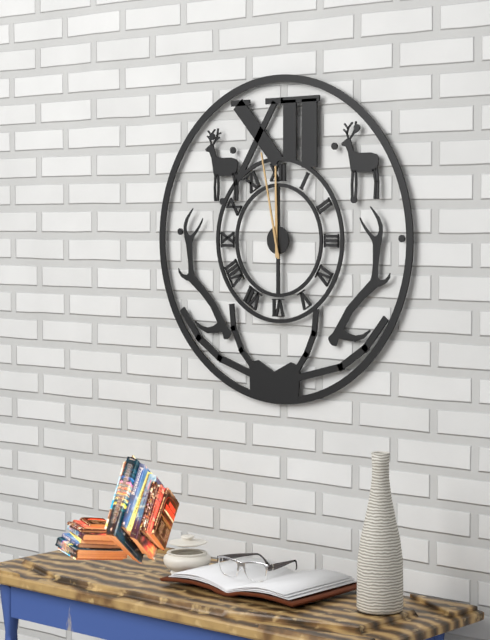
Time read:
11h58
